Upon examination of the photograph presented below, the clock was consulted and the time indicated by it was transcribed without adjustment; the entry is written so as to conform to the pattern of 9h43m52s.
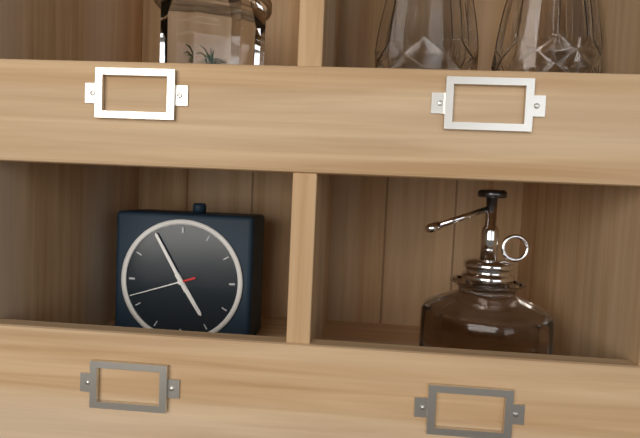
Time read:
4h55m42s
